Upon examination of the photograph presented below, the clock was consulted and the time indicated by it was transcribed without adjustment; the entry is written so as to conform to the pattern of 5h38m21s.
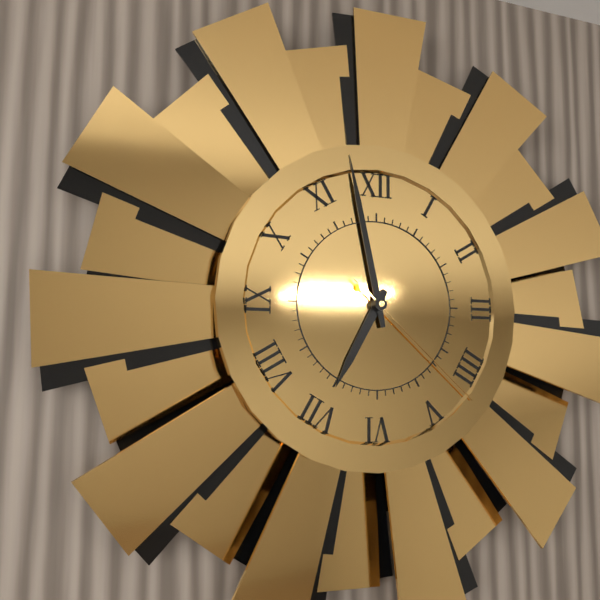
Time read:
6h58m22s
